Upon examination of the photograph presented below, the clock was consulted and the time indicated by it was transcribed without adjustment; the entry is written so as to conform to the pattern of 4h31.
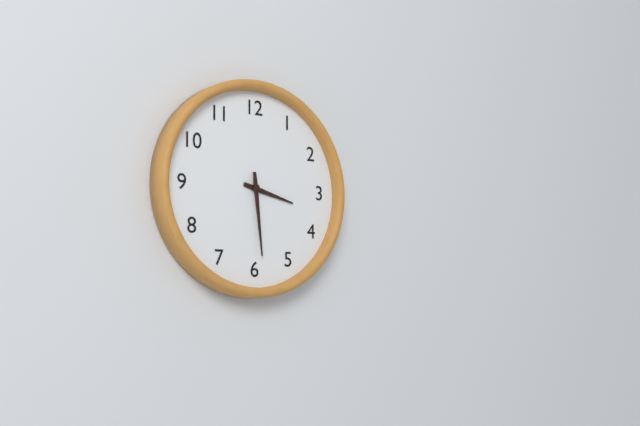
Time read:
3h29
